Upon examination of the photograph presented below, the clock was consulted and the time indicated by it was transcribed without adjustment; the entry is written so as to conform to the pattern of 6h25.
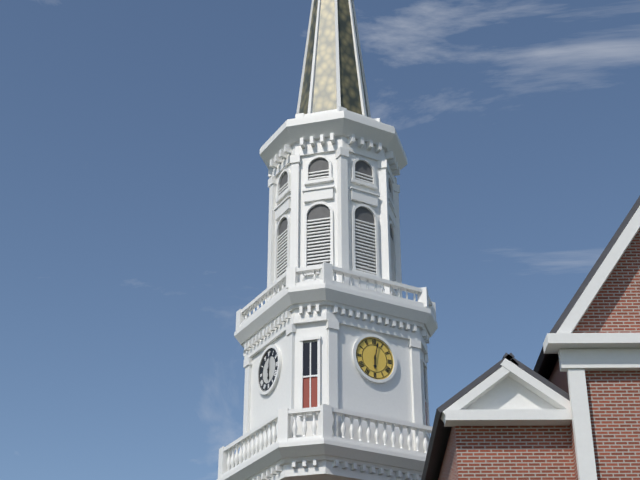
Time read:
6h02
